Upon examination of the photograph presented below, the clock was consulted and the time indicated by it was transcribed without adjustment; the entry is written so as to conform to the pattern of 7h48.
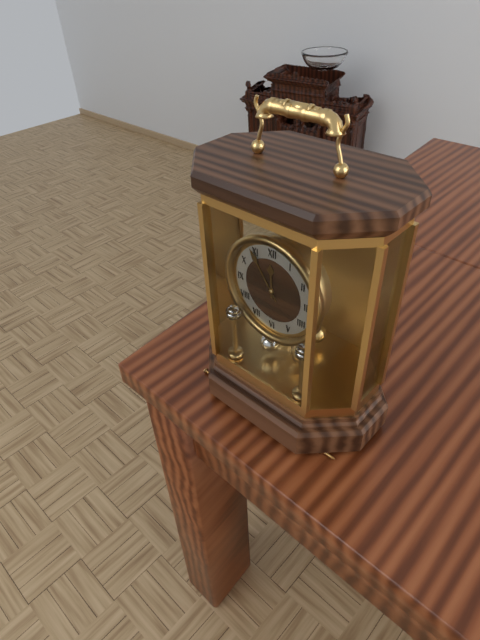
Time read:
11h54
